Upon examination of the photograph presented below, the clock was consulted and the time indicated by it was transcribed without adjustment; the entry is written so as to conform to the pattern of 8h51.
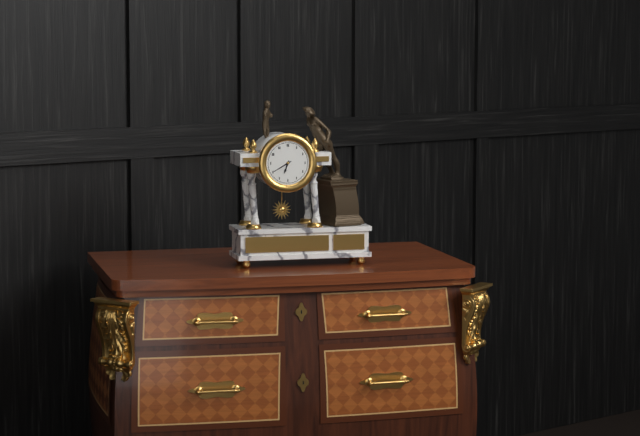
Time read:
6h40
